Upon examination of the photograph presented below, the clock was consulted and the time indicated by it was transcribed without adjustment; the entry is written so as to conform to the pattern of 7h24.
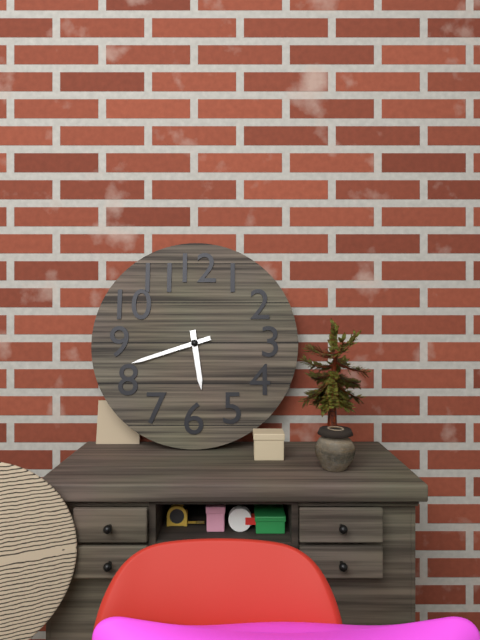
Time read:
5h42
